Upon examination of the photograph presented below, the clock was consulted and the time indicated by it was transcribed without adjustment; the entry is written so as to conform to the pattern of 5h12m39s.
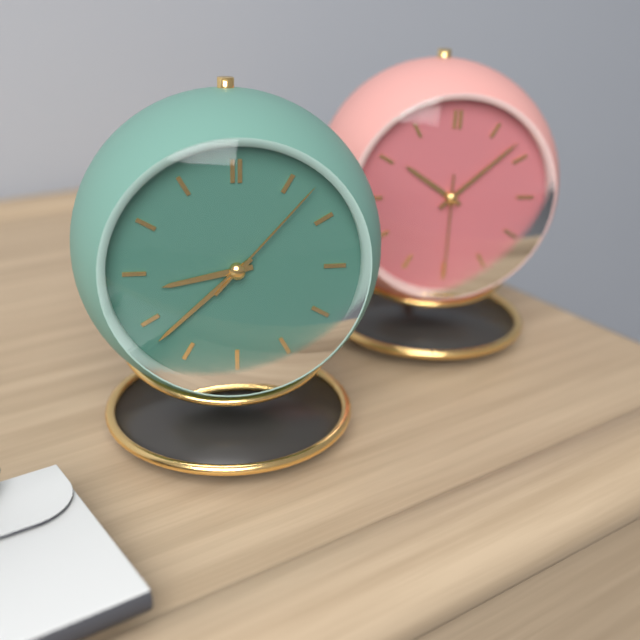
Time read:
8h38m07s
